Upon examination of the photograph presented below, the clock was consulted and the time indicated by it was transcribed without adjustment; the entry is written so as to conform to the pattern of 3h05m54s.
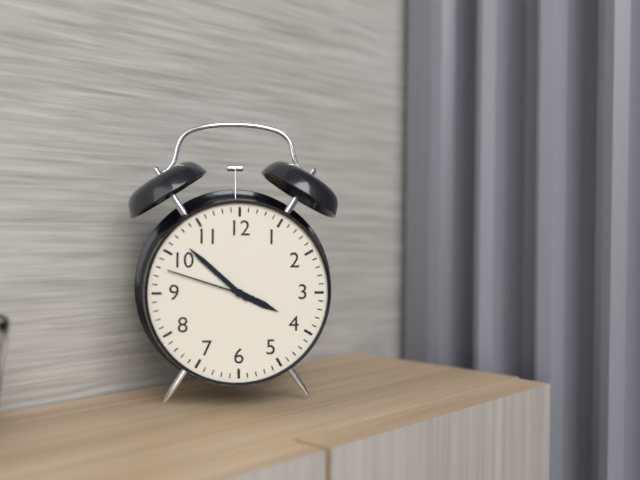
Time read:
3h52m48s
